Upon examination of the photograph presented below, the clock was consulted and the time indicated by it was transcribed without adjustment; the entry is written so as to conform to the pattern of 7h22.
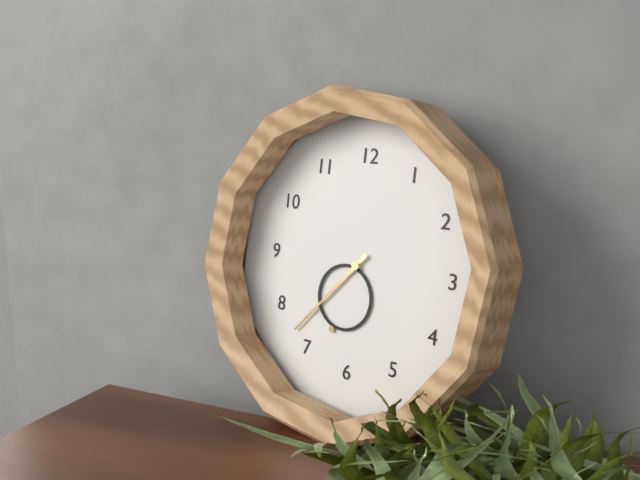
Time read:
6h37
